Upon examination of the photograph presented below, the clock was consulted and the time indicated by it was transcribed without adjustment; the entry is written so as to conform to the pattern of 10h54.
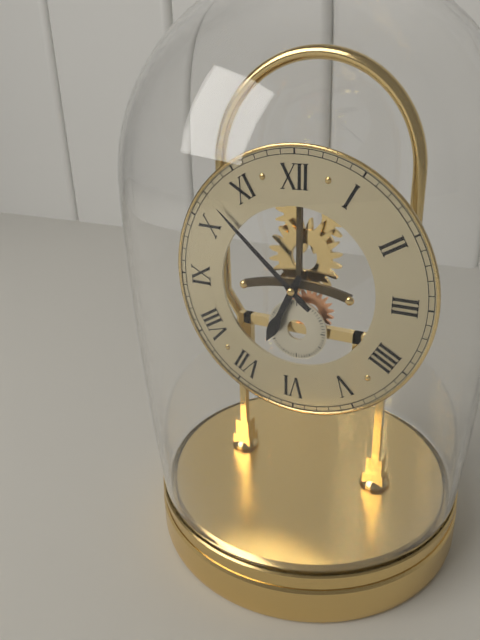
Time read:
6h52
